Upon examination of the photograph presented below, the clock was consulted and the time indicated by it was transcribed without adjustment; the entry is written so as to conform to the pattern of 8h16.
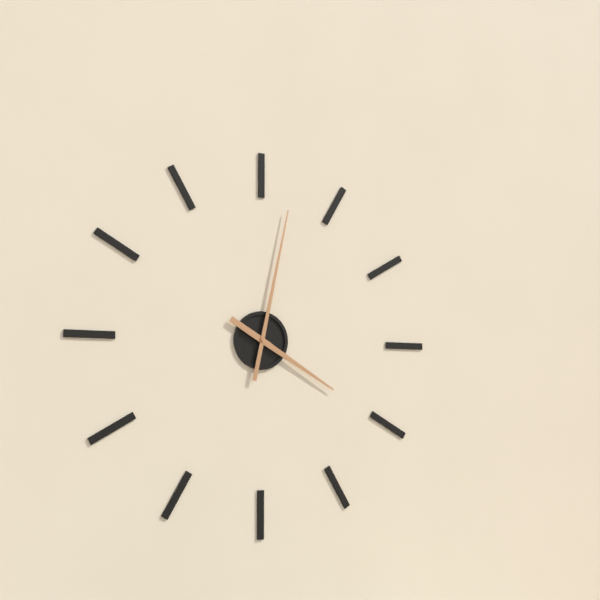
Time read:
4h02
